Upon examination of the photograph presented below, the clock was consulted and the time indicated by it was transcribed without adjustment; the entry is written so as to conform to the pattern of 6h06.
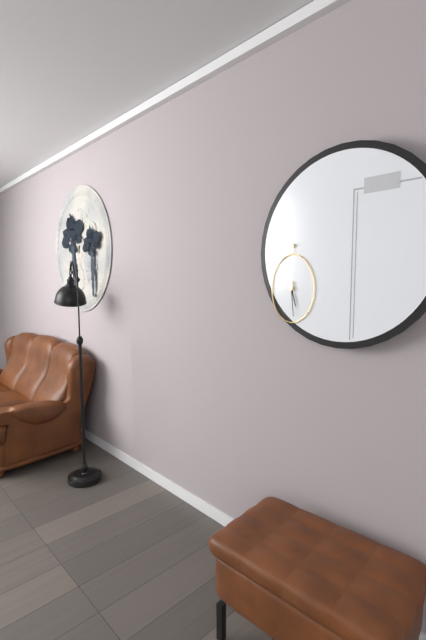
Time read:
5h29
